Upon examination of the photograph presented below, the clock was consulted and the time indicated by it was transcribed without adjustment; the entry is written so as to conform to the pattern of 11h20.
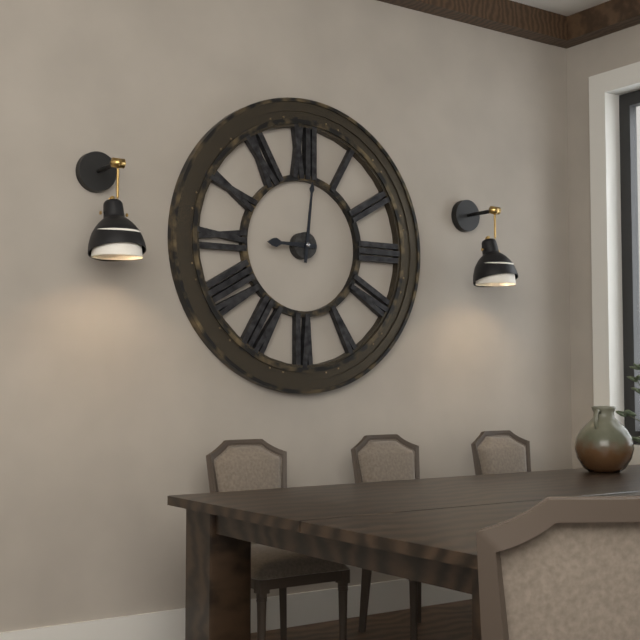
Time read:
9h01
